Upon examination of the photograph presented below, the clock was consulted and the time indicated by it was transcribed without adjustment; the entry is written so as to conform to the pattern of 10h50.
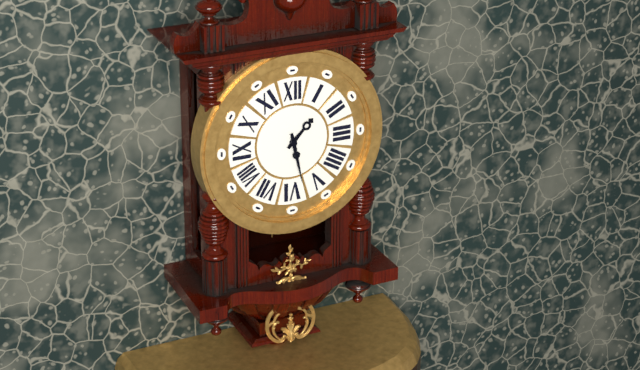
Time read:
1h28
